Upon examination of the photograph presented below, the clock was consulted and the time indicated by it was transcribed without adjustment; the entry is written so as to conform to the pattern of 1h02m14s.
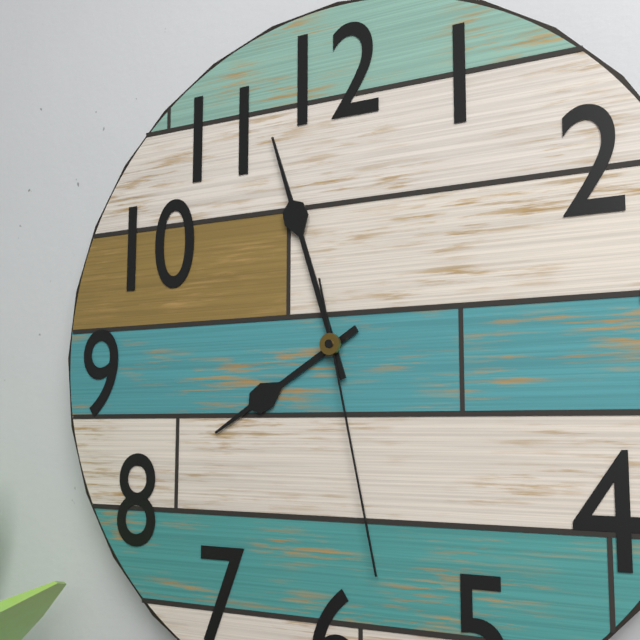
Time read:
7h57m28s
